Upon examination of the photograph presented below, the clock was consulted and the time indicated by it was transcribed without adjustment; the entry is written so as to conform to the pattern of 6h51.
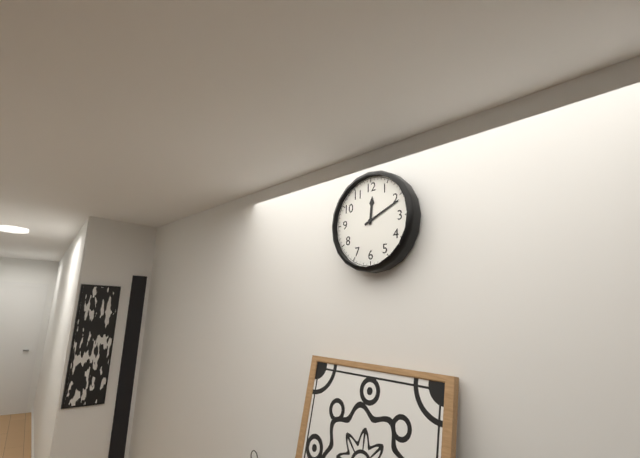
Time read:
12h11
